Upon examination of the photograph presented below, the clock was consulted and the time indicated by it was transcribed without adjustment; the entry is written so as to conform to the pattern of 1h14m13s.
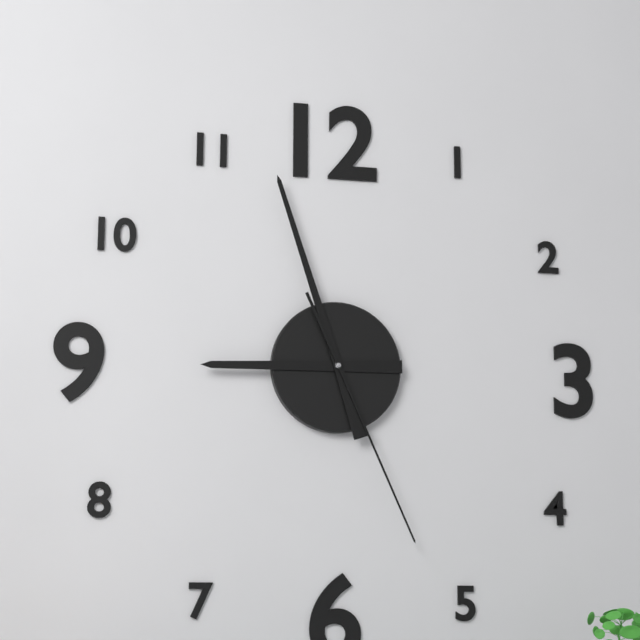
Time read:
8h57m26s
